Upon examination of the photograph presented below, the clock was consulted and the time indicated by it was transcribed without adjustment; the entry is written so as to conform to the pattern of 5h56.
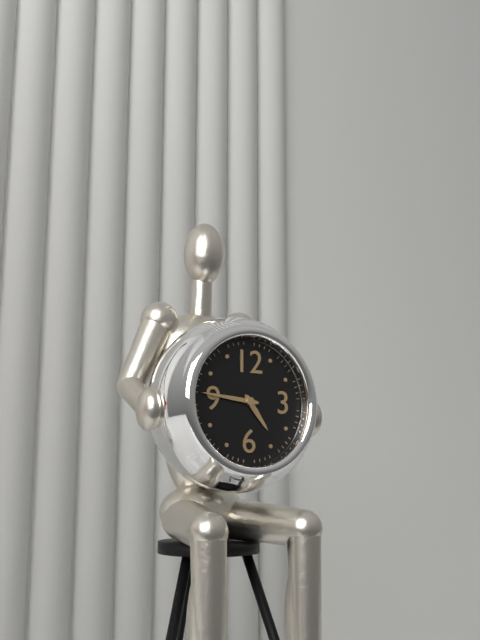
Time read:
4h46
